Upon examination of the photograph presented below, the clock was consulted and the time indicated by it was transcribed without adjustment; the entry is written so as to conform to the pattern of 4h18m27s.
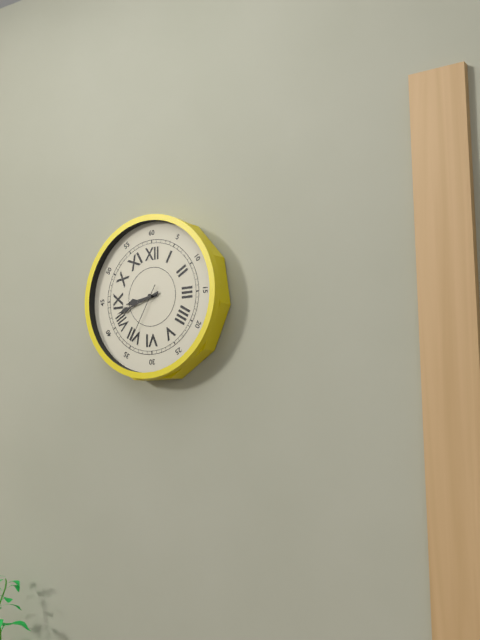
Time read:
8h42m35s
